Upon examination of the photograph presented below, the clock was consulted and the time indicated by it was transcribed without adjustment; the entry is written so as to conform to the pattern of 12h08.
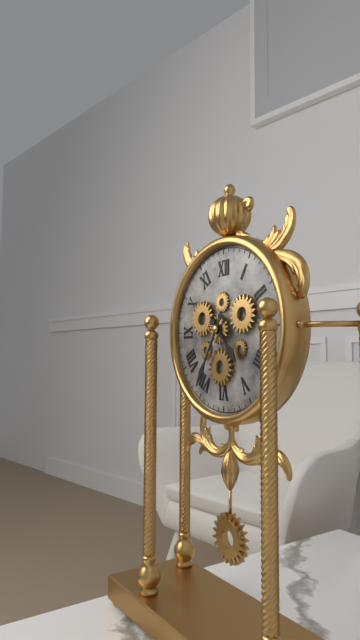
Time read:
4h35
